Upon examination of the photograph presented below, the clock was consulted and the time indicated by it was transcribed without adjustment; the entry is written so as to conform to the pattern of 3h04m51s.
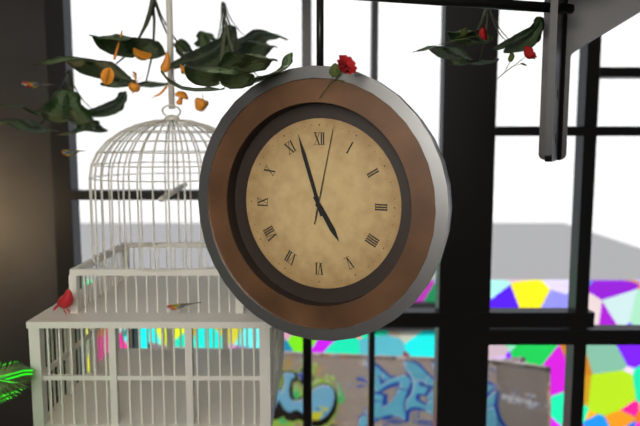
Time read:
4h57m02s
